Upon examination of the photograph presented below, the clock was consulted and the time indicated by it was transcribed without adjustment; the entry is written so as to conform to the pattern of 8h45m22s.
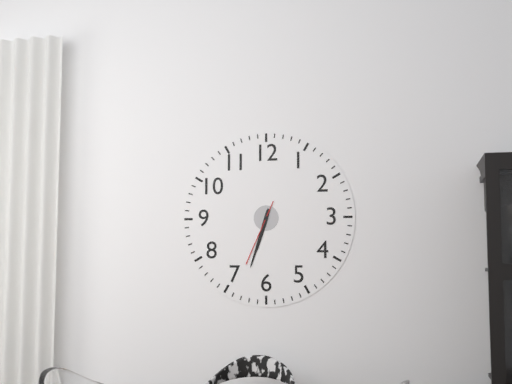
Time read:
6h33m34s
